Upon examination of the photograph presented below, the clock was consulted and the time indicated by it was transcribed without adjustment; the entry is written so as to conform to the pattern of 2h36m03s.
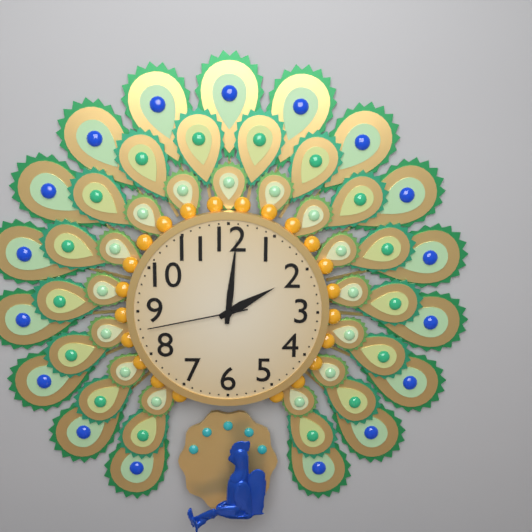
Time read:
2h01m43s
